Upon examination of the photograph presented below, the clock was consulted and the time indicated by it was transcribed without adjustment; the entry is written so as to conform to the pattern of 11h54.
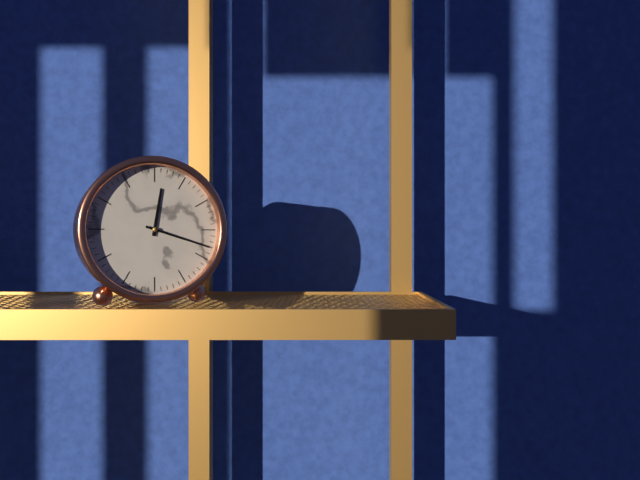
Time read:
12h18
